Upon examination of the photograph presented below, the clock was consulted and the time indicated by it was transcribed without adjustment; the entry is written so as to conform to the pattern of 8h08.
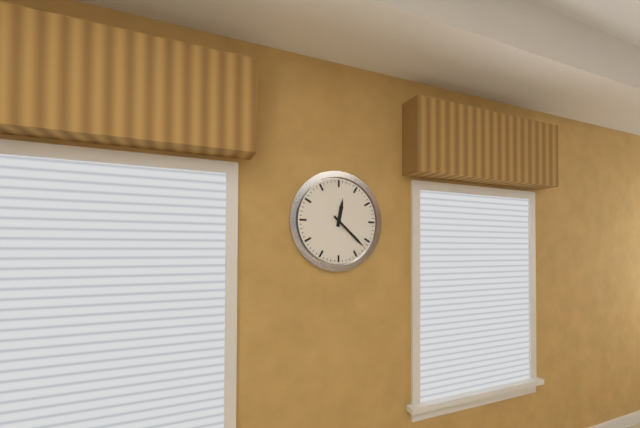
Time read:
12h22
